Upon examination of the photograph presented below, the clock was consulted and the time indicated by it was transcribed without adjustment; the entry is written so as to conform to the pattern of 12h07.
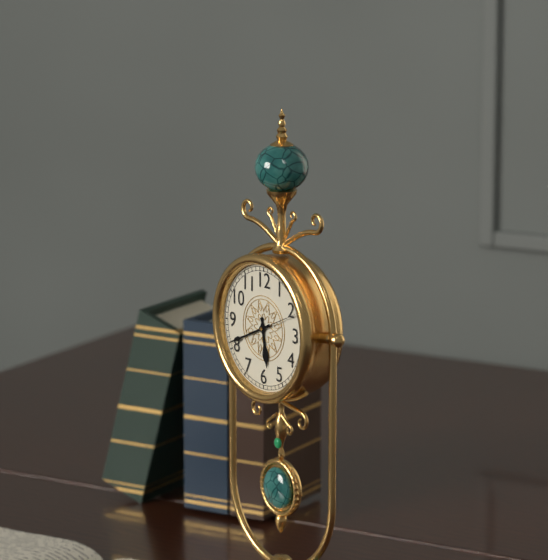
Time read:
5h41
